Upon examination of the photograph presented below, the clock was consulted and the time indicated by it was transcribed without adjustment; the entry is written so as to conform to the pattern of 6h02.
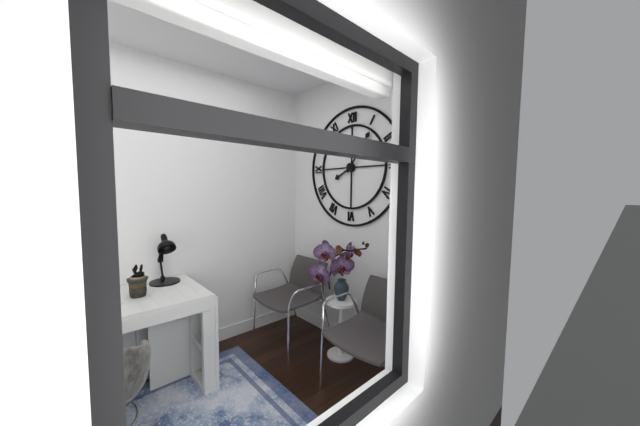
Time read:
8h06
